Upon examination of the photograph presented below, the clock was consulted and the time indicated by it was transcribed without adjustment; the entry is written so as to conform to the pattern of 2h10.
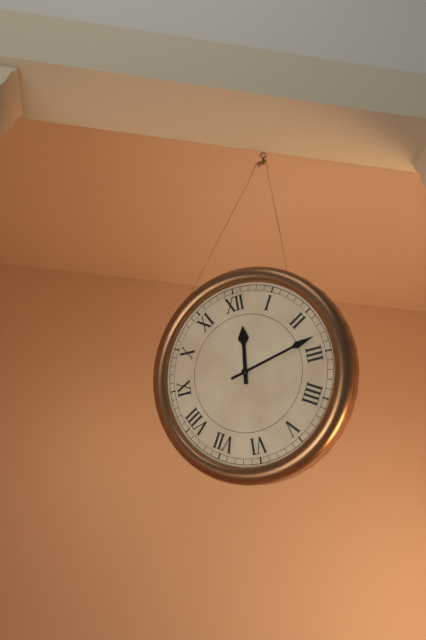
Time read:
12h13
